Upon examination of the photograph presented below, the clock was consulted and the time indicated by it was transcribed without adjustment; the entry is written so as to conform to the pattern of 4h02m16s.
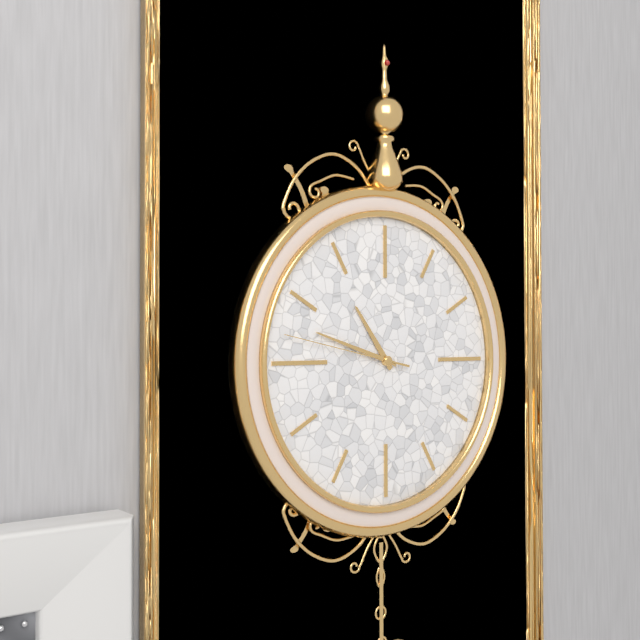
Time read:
10h48m47s
